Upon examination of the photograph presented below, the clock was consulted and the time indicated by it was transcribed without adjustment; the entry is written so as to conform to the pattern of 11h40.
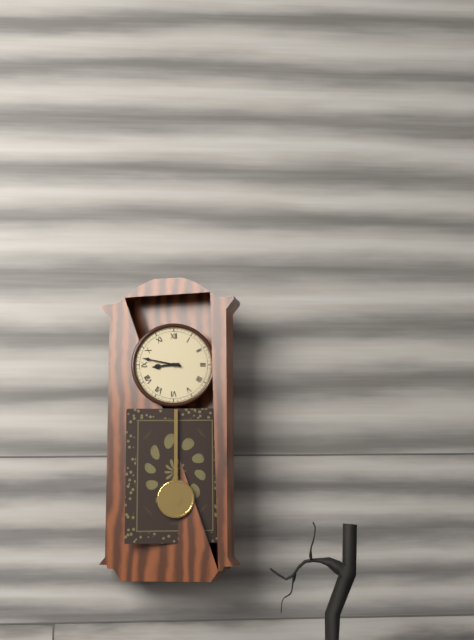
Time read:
8h47
